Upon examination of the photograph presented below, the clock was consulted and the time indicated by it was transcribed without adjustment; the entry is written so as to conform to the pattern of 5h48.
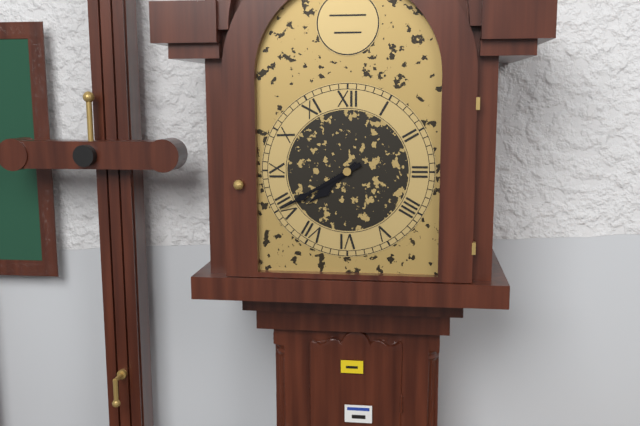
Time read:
7h40
